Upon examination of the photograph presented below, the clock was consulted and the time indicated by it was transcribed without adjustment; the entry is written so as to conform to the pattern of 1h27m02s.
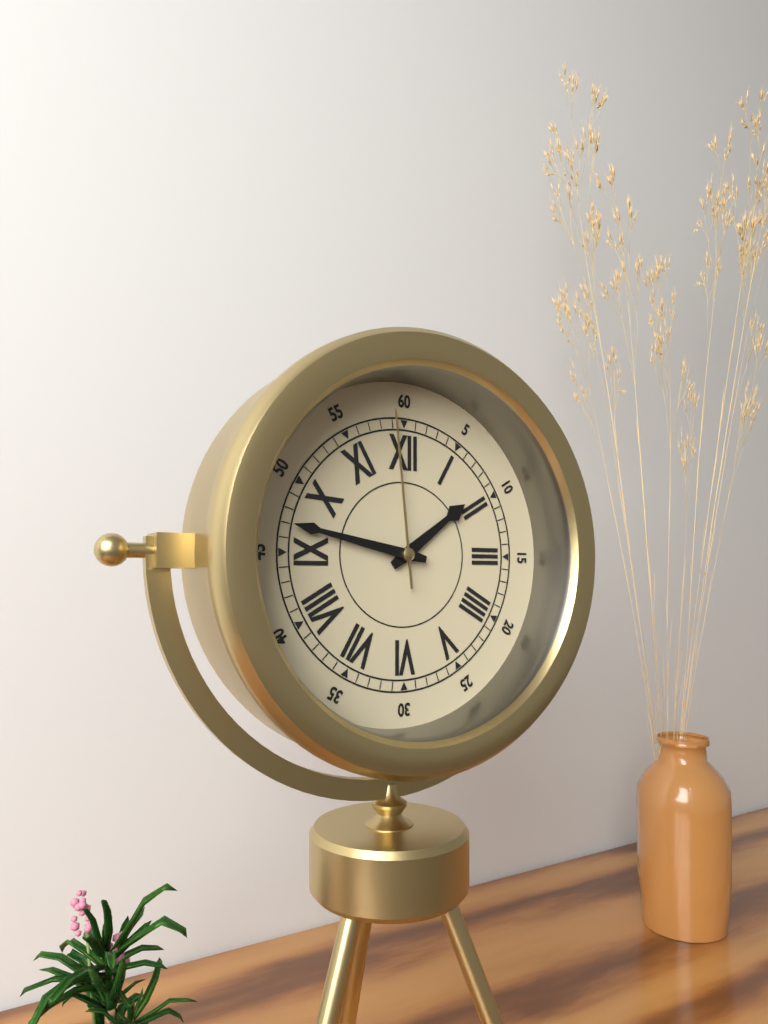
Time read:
1h47m59s
